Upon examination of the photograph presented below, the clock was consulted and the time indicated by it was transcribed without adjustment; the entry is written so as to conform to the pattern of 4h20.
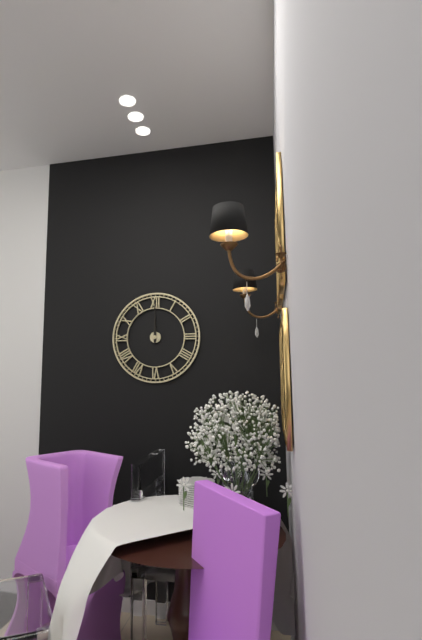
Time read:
12h00
